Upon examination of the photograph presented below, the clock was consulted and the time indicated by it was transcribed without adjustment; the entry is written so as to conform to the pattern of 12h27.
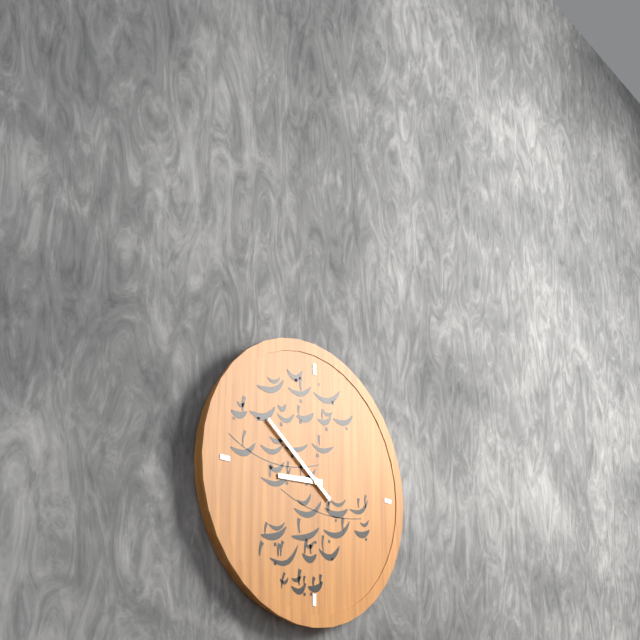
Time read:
8h51
